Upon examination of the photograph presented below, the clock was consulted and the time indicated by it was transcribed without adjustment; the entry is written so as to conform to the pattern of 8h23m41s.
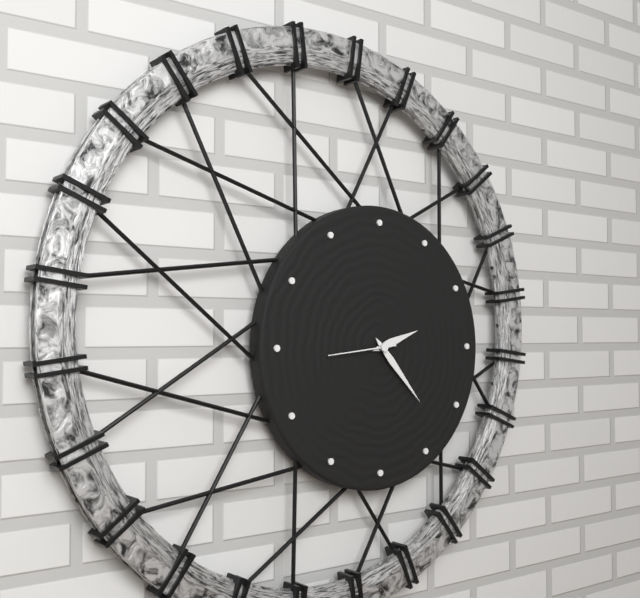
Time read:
2h23m44s
